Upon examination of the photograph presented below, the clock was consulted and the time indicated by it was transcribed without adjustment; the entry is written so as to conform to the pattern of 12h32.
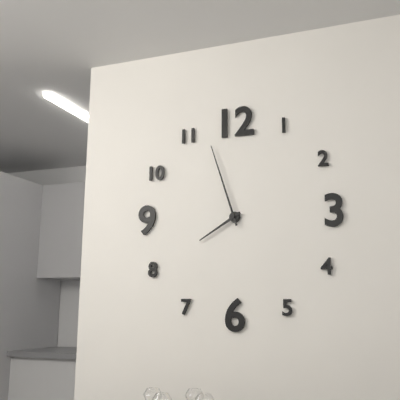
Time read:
7h57
